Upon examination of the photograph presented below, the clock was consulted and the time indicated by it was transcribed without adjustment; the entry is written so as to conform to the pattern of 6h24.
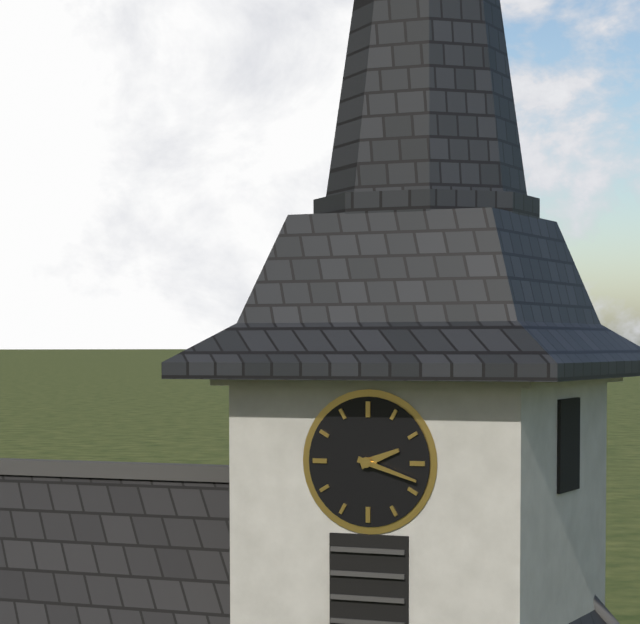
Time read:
2h18
